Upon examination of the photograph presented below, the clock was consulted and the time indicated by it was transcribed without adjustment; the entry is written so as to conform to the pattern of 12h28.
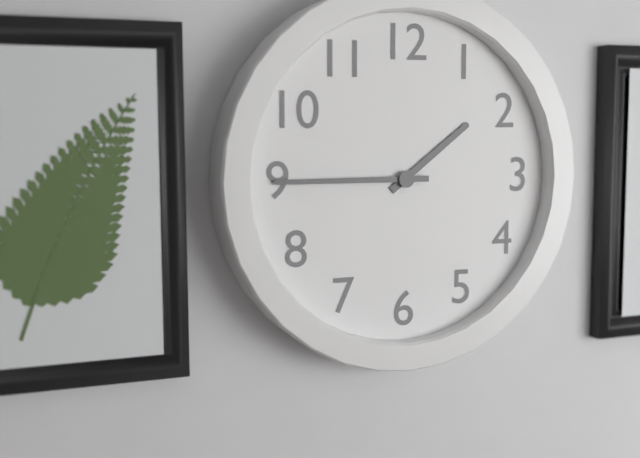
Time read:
1h45
